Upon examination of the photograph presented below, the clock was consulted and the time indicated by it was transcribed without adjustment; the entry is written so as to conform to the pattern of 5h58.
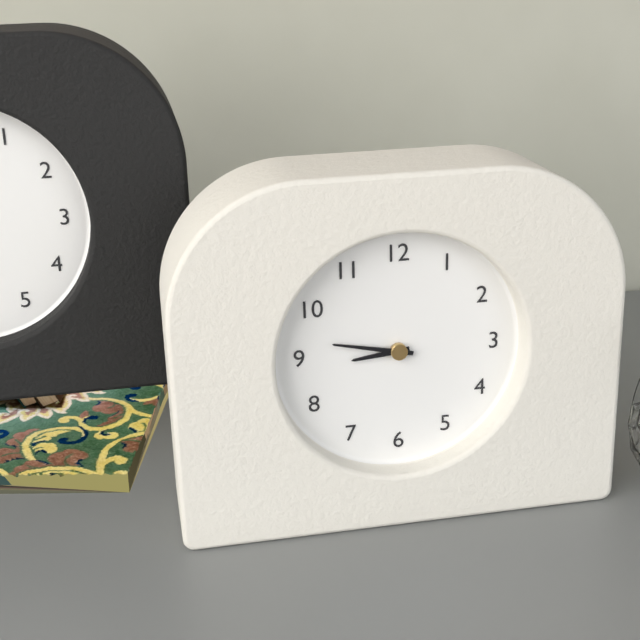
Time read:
8h47
